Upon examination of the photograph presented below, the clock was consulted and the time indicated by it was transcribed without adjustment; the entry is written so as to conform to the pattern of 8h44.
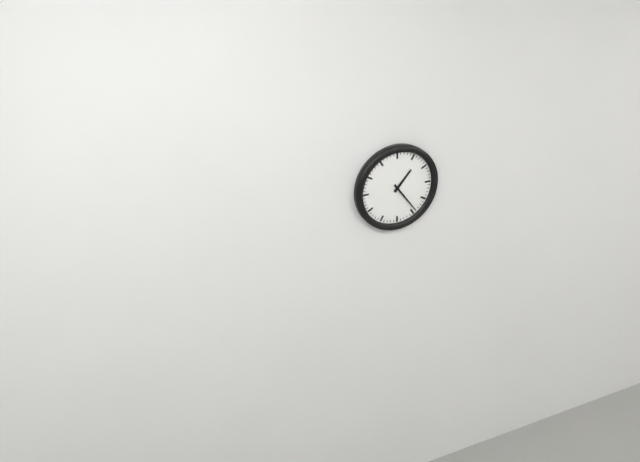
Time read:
1h24
